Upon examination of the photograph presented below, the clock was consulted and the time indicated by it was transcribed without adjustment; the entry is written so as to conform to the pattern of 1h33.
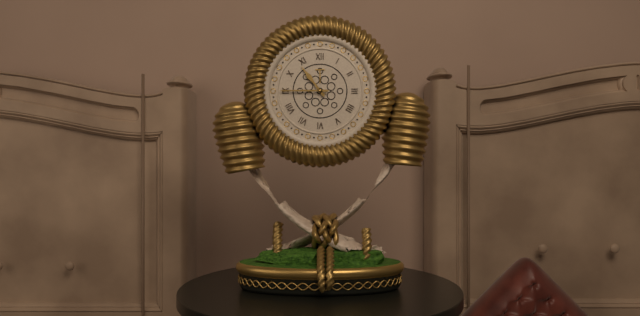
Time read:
10h45
